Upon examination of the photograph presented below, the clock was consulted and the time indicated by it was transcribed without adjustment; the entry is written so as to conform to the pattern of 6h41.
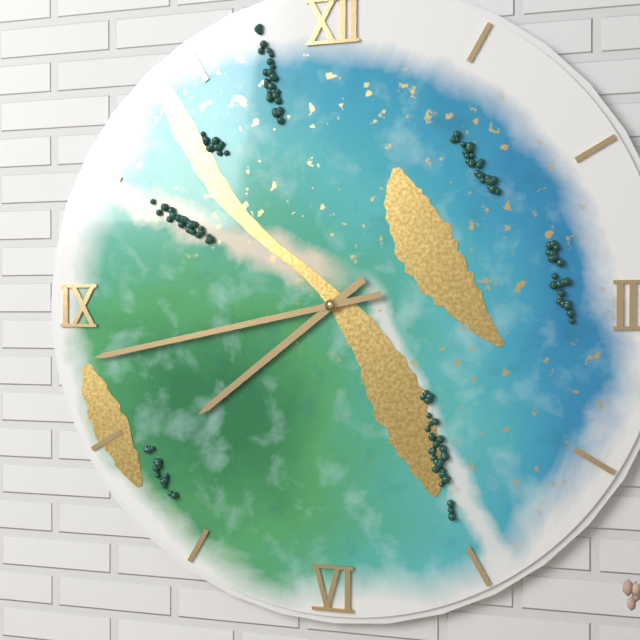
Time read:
7h43
